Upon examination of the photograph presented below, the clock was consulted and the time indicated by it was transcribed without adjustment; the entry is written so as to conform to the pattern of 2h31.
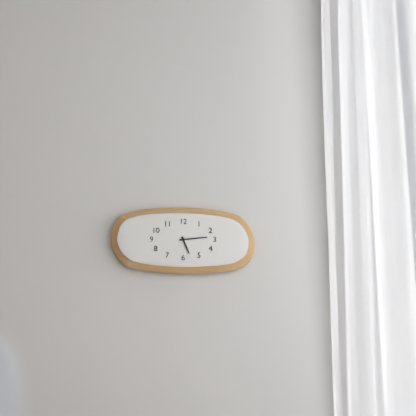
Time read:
5h14
